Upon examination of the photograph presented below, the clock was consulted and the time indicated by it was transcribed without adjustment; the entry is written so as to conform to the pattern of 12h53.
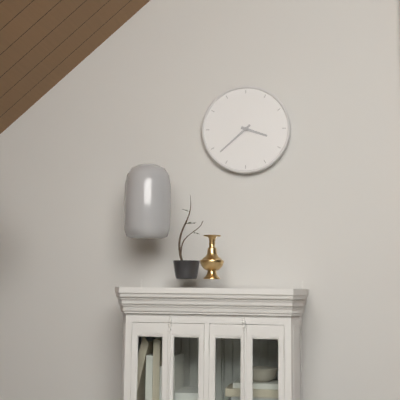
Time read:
3h38
